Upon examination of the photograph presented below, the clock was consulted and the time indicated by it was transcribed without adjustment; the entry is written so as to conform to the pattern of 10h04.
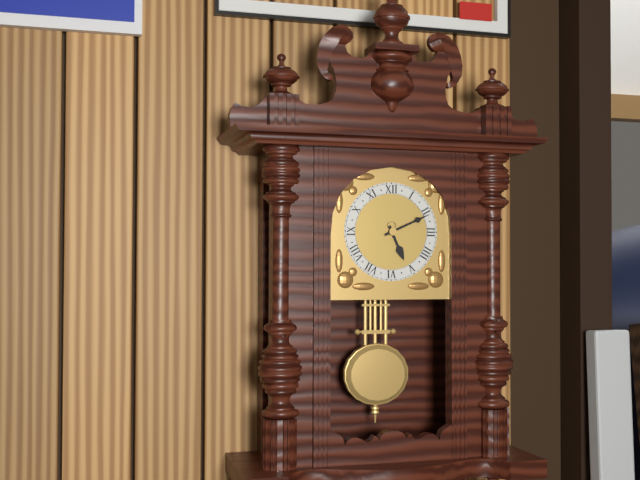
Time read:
5h11
